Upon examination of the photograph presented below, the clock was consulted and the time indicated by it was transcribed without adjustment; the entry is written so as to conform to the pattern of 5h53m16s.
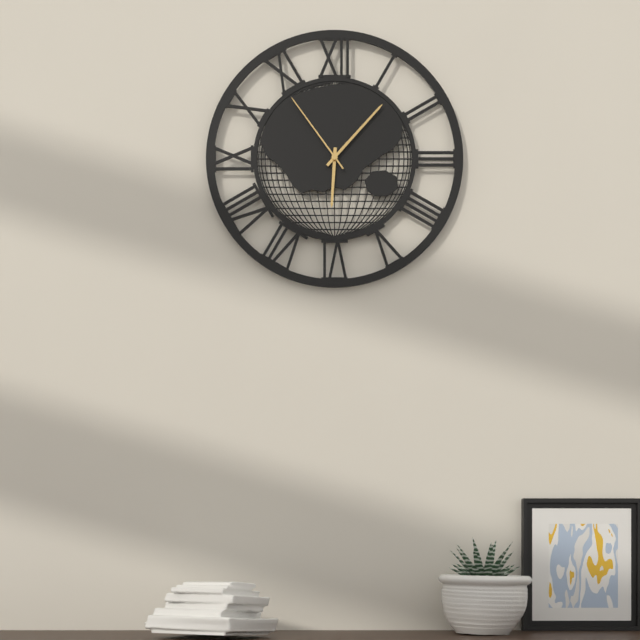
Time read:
6h07m54s
